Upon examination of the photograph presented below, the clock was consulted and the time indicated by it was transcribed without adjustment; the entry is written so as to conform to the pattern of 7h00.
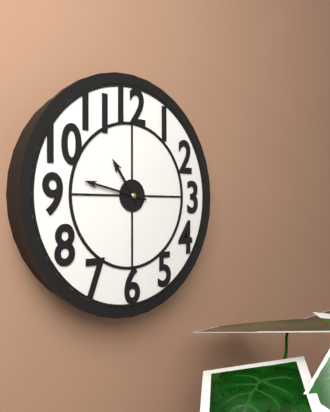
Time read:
10h47
